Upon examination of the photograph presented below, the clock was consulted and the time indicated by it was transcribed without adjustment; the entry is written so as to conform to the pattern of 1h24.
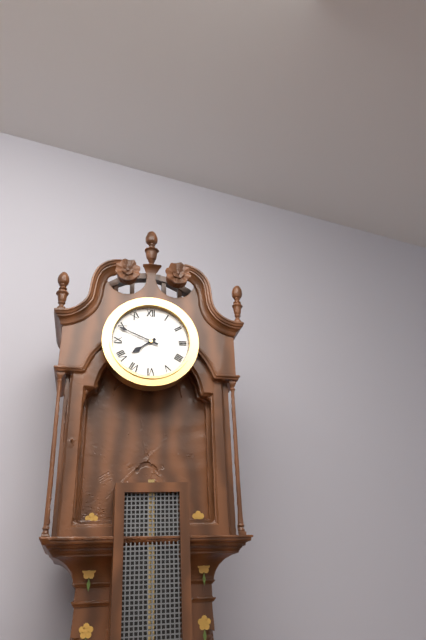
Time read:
7h49
